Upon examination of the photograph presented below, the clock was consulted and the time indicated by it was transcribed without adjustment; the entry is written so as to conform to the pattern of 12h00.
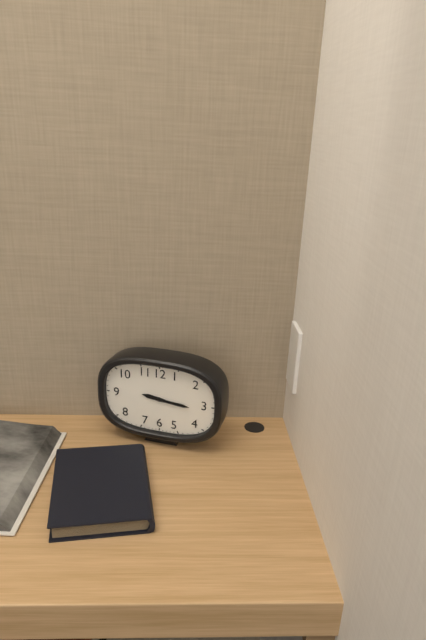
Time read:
9h16
